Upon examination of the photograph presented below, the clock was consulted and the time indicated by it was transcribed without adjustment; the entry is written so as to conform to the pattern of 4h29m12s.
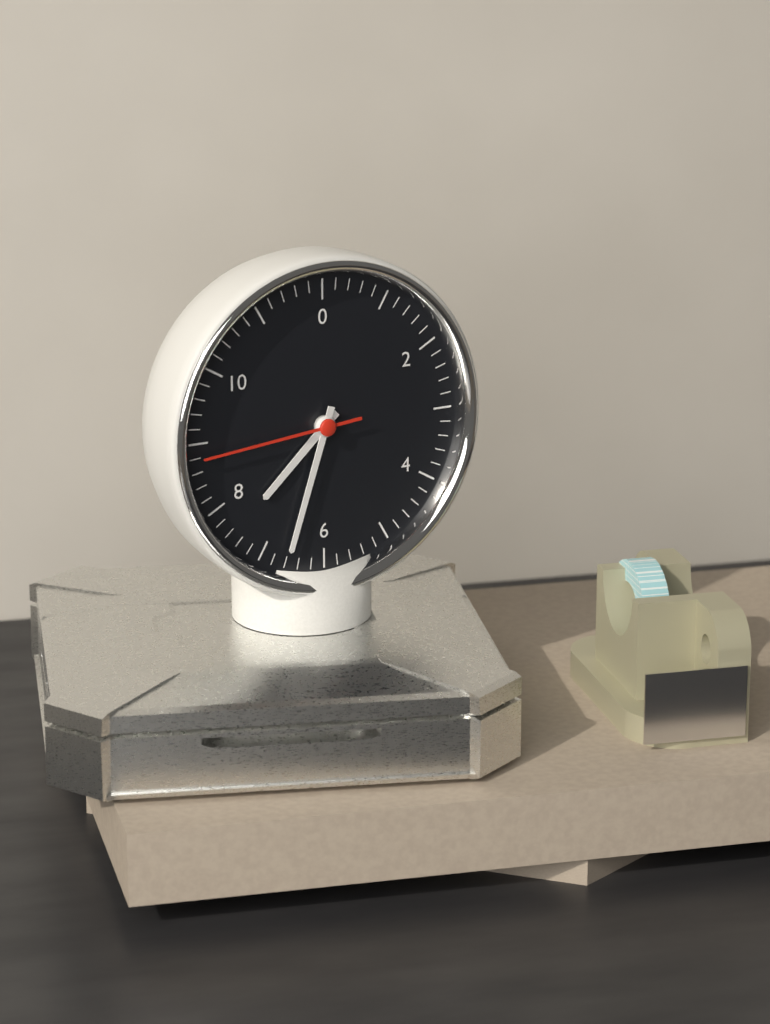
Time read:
7h33m44s
